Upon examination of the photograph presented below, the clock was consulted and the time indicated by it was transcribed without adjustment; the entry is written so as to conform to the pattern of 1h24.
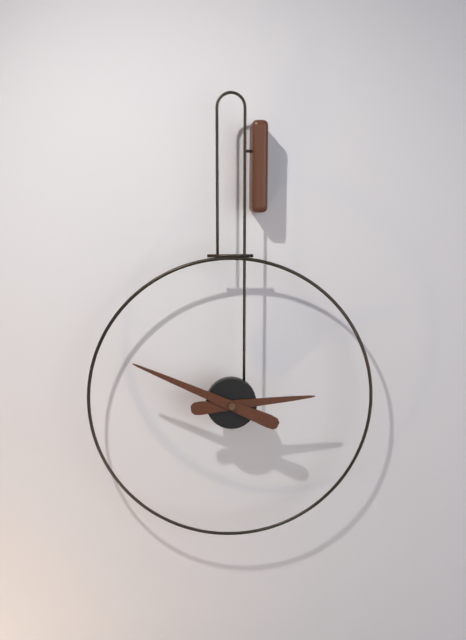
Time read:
2h49
